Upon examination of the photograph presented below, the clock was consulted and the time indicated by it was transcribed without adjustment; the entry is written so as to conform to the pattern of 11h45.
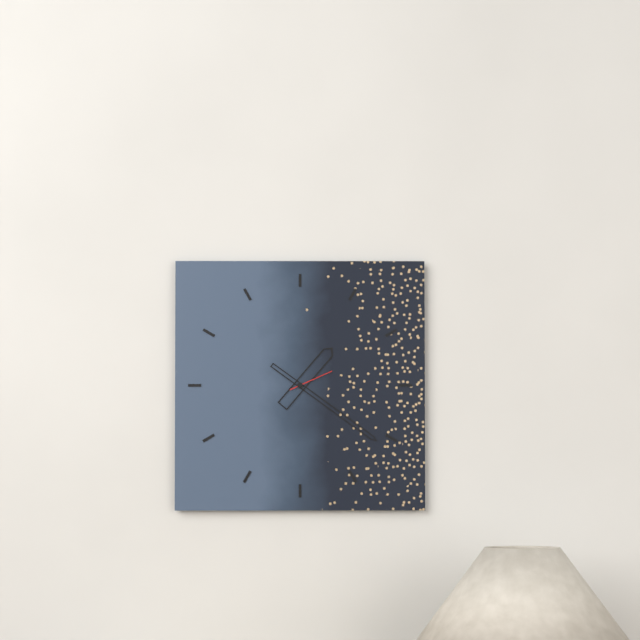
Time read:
1h21
